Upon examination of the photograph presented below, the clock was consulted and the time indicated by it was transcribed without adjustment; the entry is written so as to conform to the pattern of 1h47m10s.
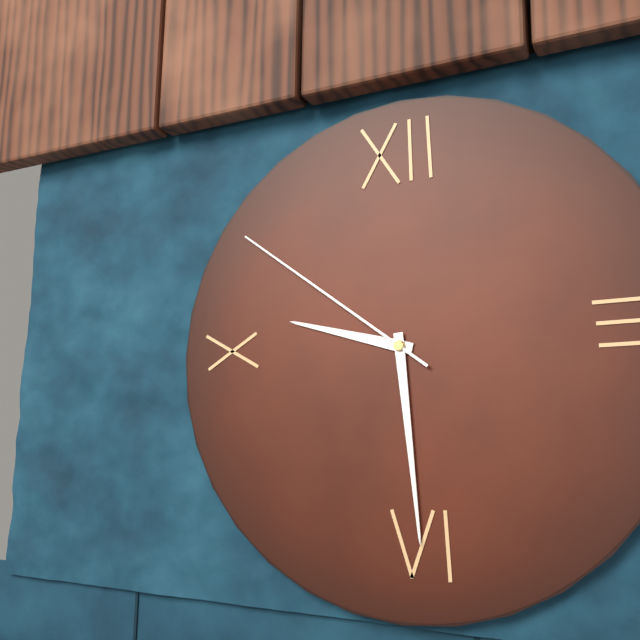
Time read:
9h29m51s
